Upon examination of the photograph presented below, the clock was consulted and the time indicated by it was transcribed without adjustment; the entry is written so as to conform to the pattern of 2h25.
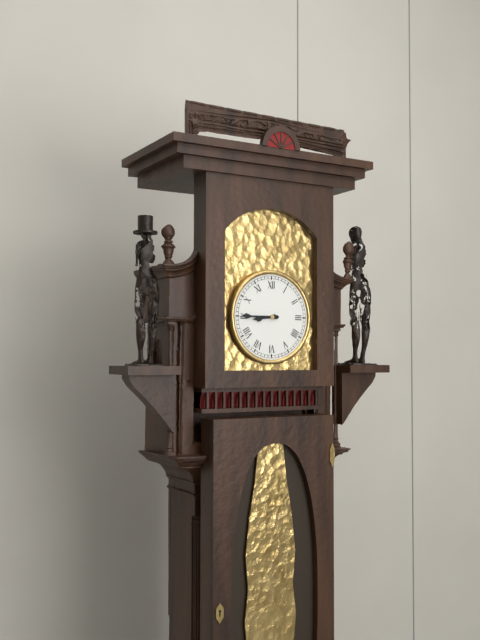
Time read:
8h45
